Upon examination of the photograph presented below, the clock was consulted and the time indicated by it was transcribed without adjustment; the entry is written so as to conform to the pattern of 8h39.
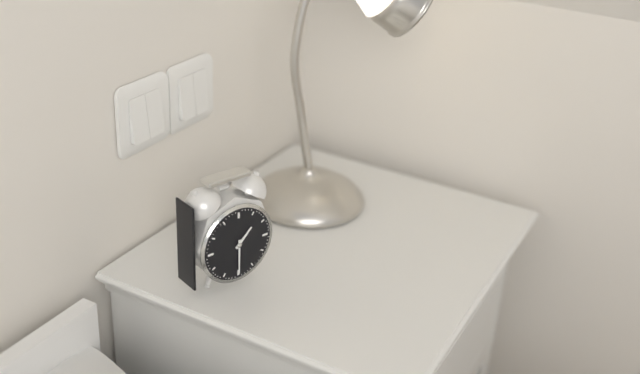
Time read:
1h30
